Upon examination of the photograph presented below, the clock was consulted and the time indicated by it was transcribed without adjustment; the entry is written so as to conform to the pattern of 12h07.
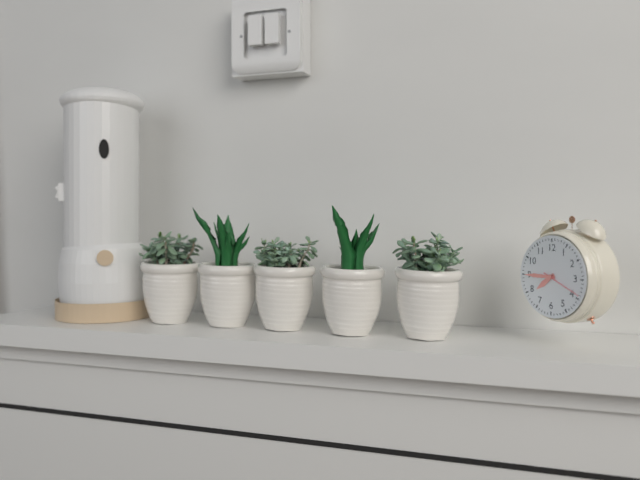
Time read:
7h45
